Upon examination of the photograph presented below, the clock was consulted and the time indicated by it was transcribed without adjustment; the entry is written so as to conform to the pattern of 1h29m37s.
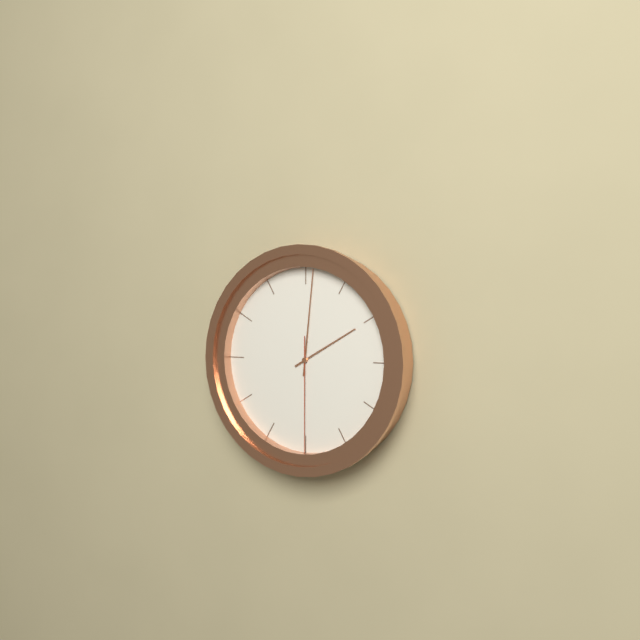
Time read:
2h01m30s
